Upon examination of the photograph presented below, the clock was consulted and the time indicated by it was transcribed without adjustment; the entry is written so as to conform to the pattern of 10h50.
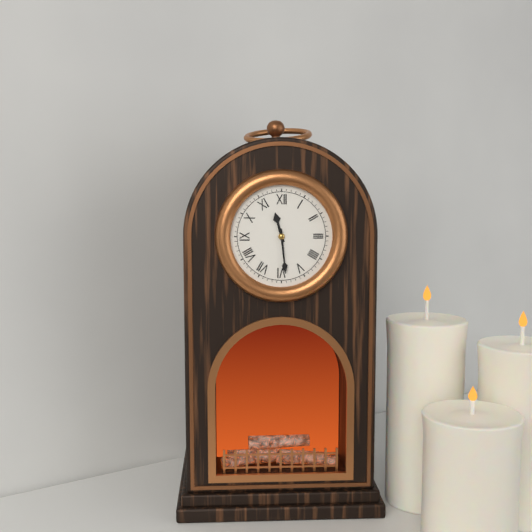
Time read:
11h29
